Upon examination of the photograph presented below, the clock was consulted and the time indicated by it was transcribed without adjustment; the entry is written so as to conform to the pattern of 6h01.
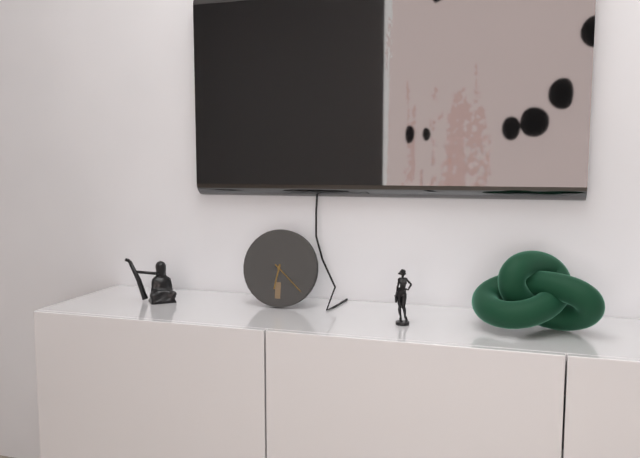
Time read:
6h22
